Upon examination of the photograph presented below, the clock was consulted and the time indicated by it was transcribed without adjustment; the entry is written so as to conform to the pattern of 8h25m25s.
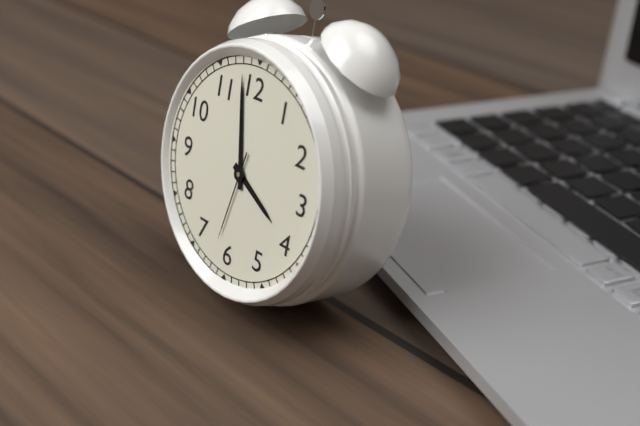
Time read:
3h58m32s
